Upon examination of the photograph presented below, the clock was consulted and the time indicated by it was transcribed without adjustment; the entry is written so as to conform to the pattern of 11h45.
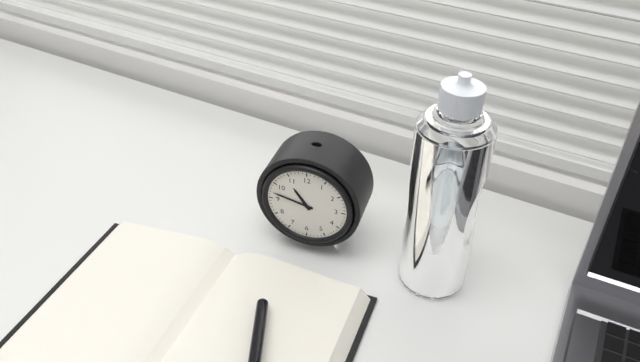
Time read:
10h47
